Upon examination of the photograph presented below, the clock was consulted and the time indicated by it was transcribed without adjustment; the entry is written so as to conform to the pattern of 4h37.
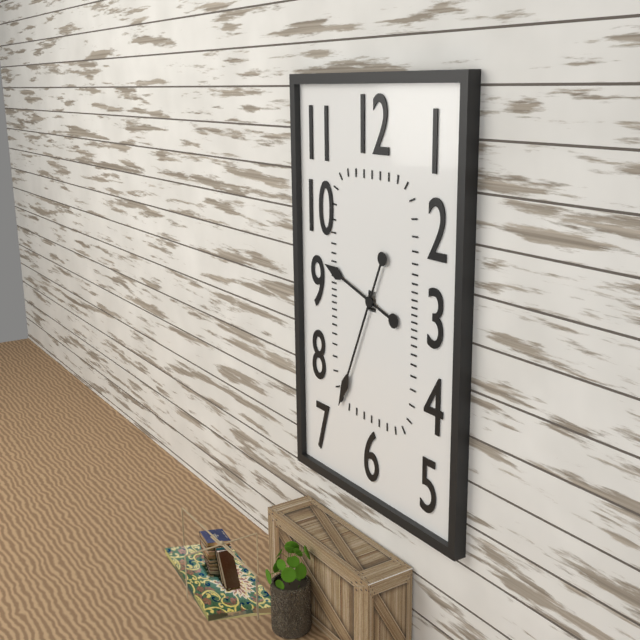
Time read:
9h34
